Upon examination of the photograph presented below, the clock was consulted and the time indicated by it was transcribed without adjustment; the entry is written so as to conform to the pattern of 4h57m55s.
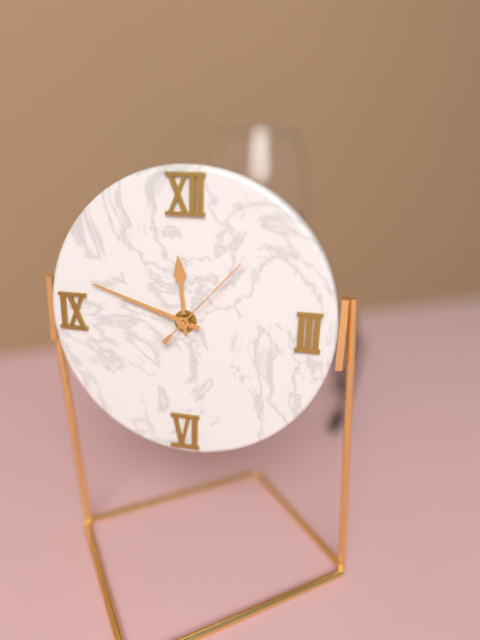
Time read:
11h48m07s
